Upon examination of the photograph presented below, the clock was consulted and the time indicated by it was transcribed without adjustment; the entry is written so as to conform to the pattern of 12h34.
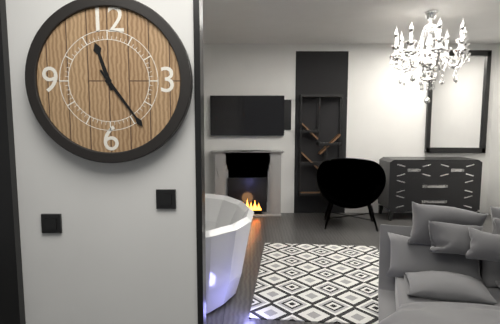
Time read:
11h24
